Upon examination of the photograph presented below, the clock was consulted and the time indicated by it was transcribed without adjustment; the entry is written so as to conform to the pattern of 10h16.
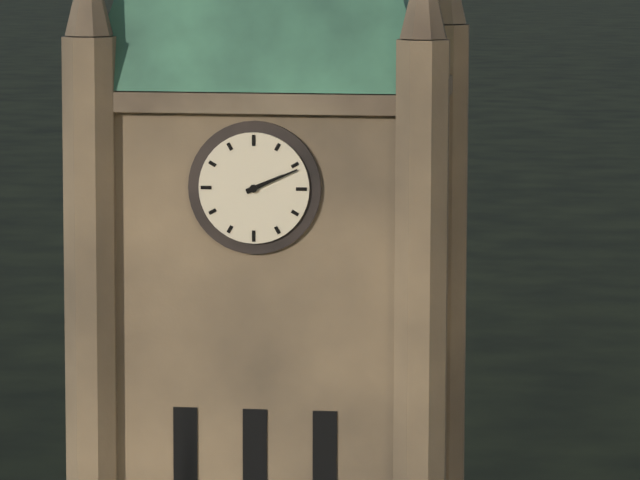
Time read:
2h11
